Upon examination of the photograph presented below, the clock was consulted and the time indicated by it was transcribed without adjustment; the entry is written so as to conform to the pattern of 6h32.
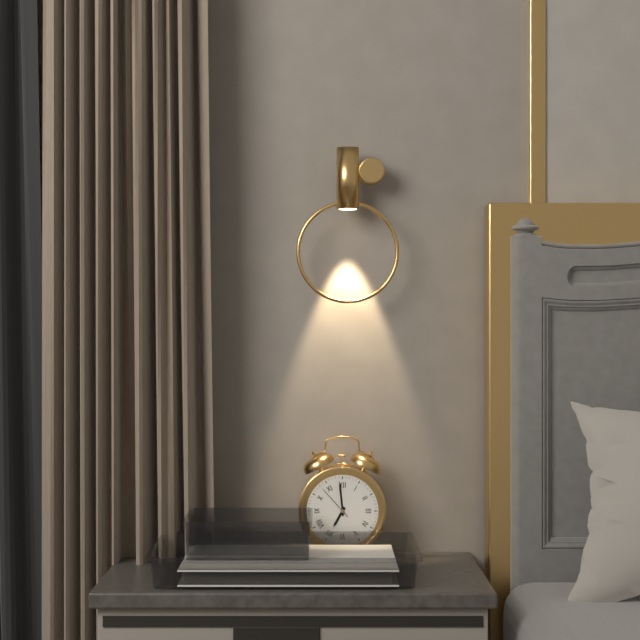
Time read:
6h59
